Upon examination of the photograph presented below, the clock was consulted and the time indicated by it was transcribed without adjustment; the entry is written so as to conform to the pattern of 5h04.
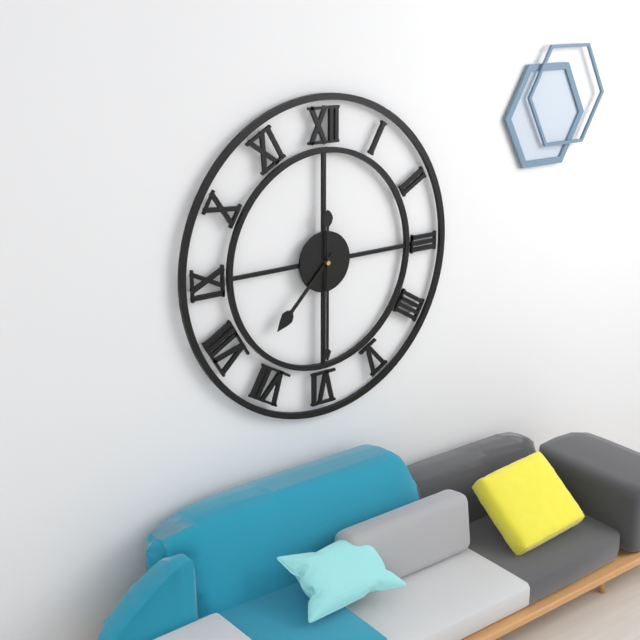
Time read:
7h30
